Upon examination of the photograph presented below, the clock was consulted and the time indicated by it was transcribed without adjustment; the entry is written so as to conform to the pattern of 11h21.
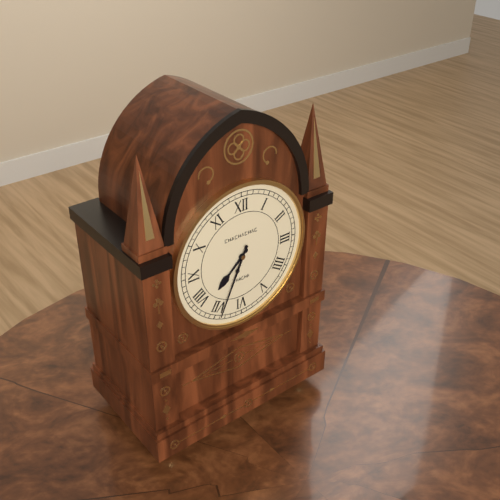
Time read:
7h34
